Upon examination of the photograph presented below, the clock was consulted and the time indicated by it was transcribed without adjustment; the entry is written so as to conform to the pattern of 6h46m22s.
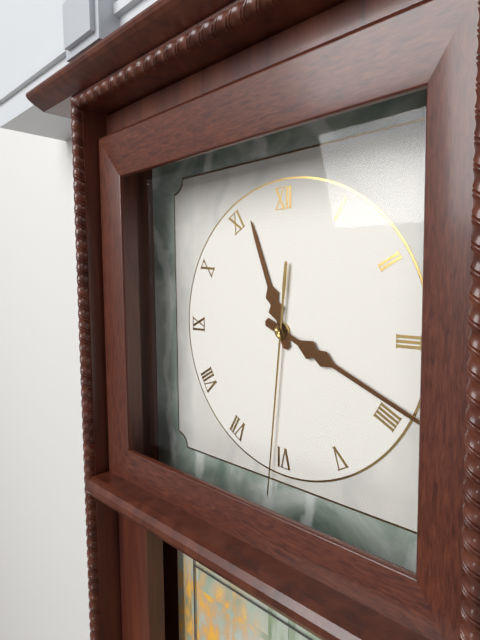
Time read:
11h19m31s
